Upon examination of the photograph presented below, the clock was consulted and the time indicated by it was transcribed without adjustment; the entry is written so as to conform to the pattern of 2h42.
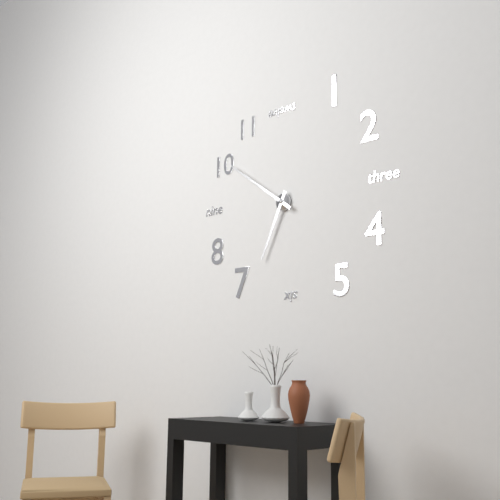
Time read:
6h51
